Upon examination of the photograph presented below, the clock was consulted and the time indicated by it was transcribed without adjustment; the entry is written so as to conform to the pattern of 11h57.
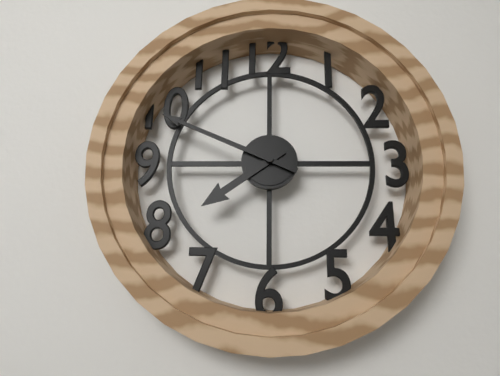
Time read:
7h49
